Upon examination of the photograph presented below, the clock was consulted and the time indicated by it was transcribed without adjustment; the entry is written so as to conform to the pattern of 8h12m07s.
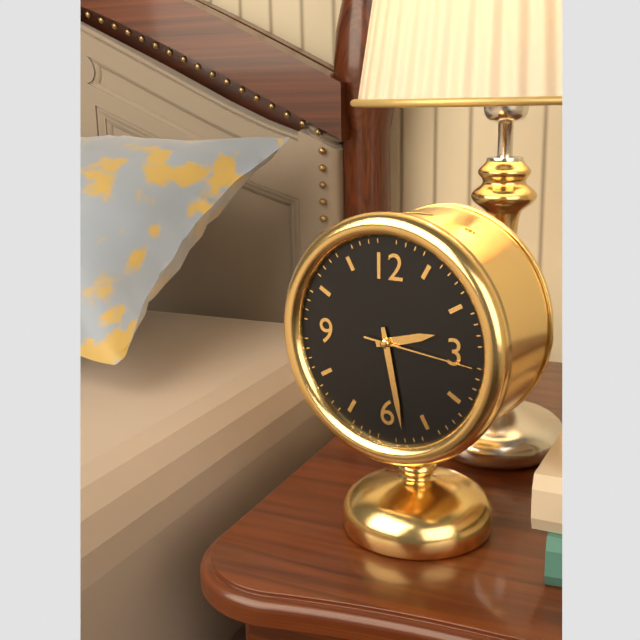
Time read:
2h28m16s
